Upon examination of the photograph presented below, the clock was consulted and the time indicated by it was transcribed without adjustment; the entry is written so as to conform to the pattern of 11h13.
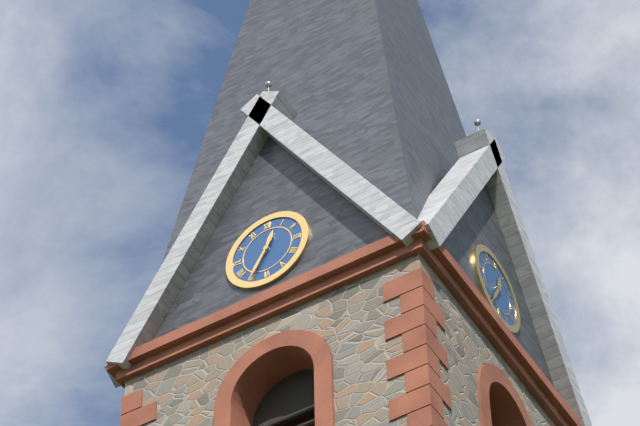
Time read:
12h35
